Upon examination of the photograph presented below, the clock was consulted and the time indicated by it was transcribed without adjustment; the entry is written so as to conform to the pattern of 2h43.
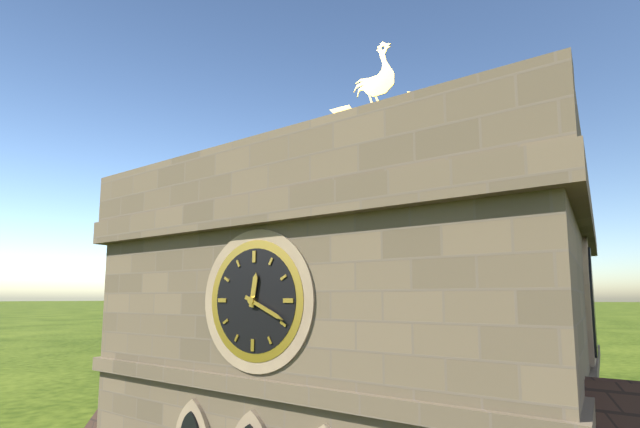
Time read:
12h19
